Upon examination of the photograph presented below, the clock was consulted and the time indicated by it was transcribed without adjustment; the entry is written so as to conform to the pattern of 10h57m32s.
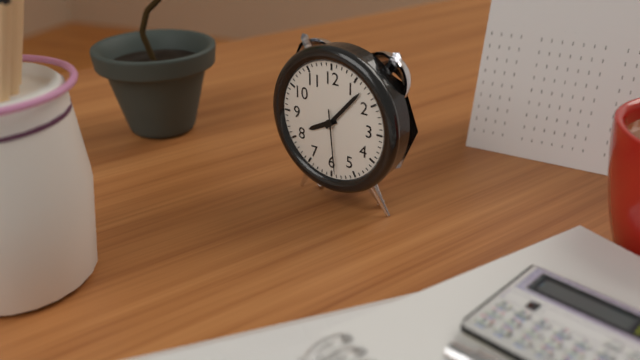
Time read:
8h07m29s
